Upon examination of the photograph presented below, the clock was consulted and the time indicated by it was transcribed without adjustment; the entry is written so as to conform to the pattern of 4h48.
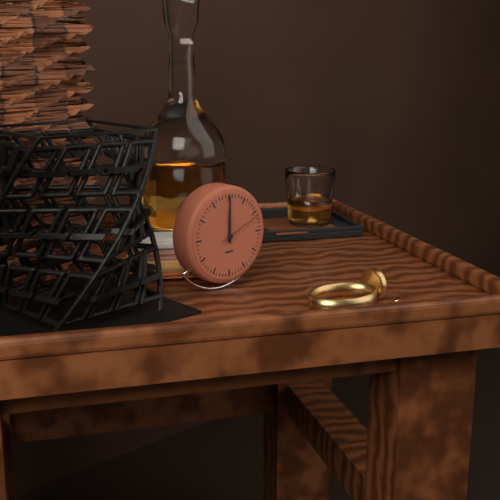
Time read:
12h00
